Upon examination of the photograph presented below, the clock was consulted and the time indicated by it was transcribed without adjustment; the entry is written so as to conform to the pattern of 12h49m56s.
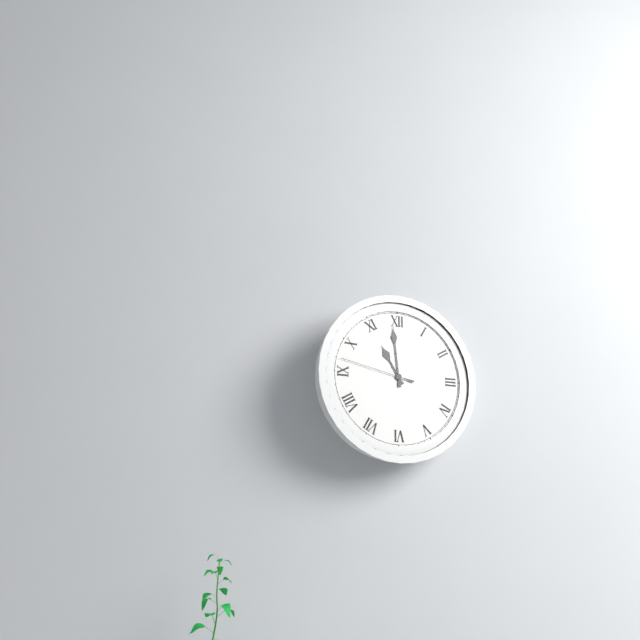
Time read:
10h59m47s
